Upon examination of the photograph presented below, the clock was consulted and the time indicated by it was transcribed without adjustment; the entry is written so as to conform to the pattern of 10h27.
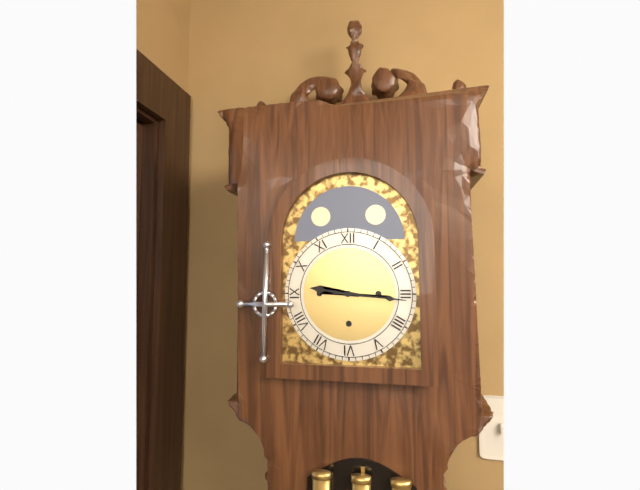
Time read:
9h16
